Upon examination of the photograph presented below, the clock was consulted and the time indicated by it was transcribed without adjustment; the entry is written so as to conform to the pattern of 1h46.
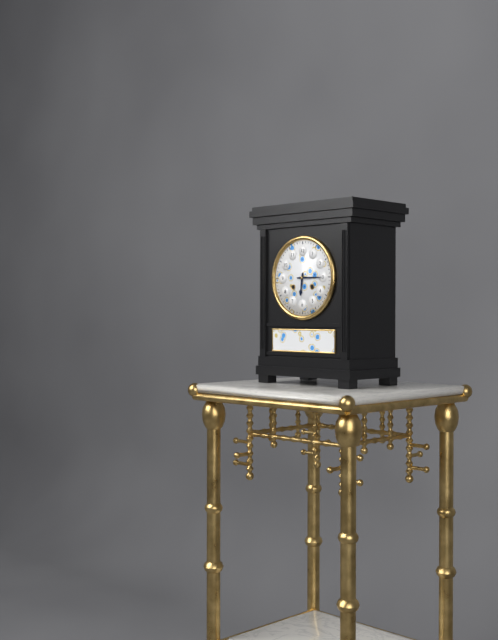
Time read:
6h15
